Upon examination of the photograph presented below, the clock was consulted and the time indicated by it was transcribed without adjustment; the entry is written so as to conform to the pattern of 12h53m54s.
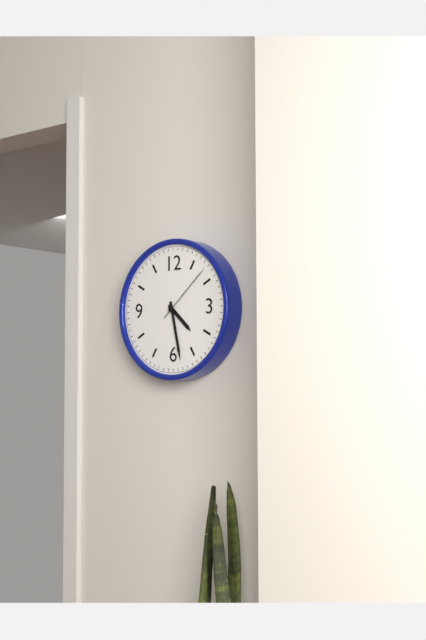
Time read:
4h28m08s
